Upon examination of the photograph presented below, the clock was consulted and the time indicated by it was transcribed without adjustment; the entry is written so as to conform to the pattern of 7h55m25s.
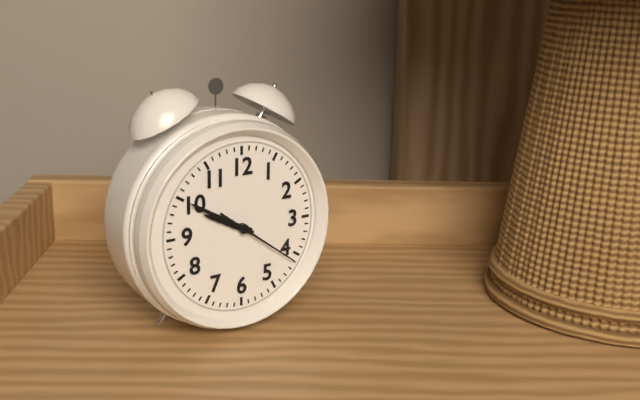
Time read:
9h50m21s
